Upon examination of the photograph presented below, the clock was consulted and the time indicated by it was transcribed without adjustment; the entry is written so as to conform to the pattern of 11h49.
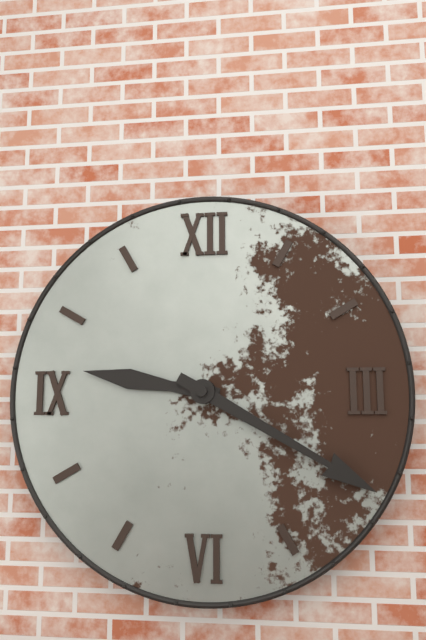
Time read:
9h20
